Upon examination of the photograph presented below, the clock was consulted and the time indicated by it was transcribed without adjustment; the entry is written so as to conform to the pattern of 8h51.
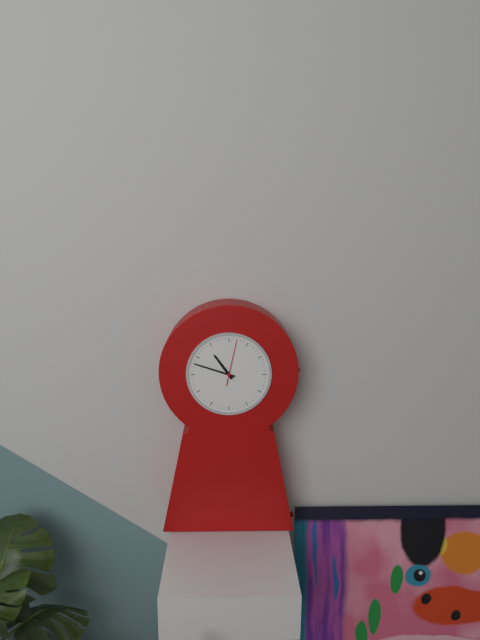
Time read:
10h48
